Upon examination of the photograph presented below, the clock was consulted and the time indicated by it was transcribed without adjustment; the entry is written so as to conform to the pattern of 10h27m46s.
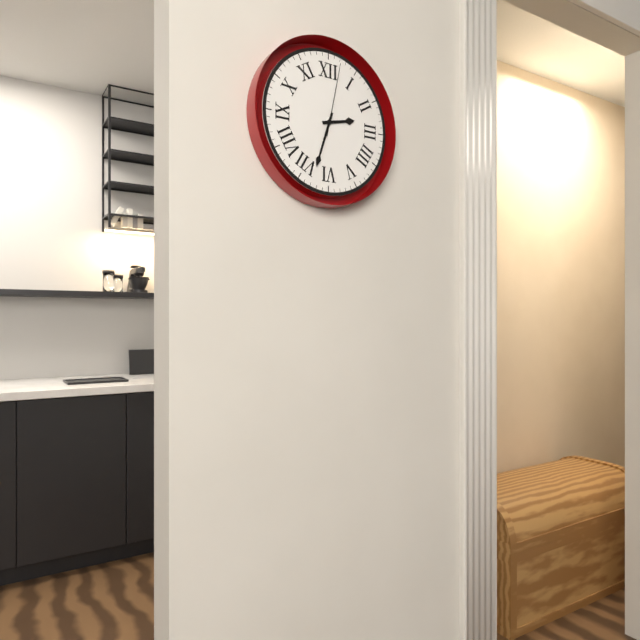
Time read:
2h33m02s
